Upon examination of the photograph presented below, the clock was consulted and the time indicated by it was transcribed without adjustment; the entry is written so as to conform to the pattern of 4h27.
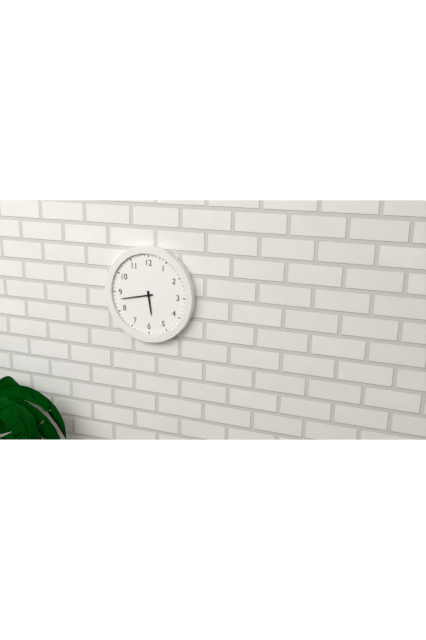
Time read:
5h43
